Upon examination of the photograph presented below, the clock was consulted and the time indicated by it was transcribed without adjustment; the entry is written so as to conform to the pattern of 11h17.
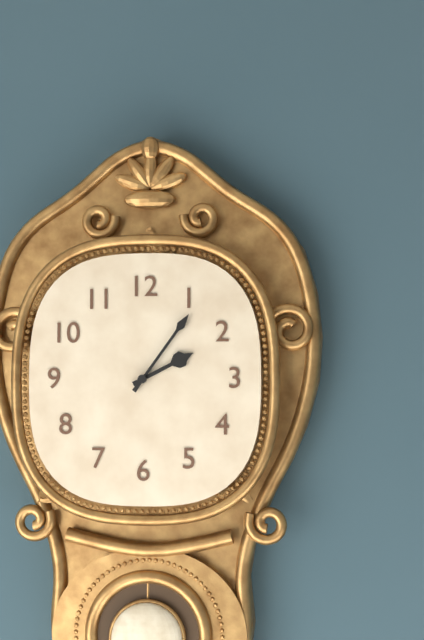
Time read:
2h06
